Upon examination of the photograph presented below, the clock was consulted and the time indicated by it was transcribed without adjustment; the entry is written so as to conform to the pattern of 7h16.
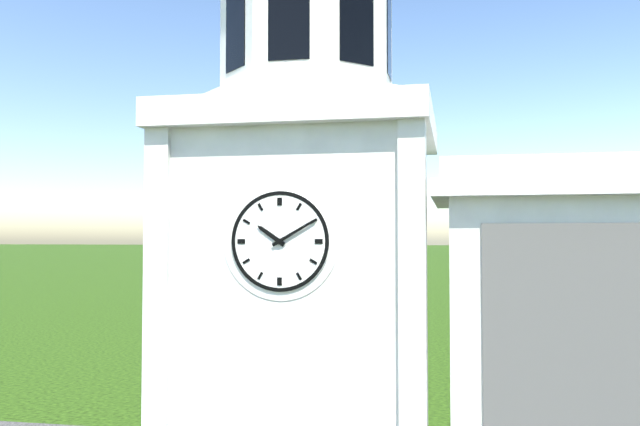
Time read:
10h10
